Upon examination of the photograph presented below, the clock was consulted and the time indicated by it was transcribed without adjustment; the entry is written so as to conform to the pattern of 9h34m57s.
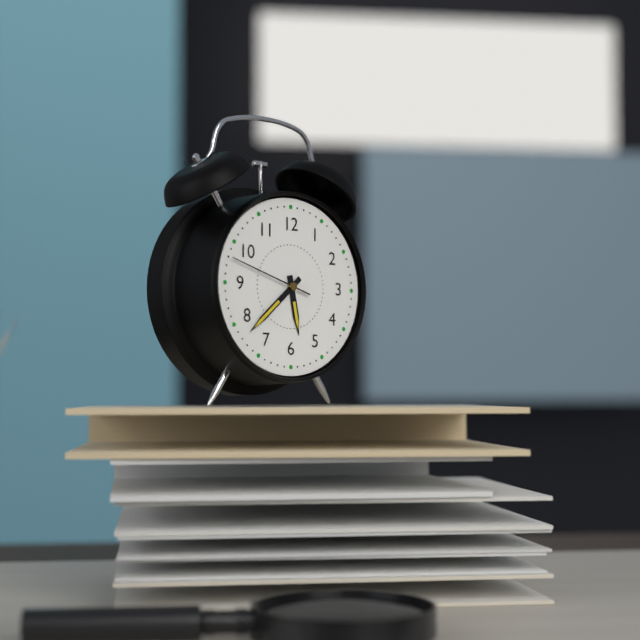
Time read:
5h38m48s
